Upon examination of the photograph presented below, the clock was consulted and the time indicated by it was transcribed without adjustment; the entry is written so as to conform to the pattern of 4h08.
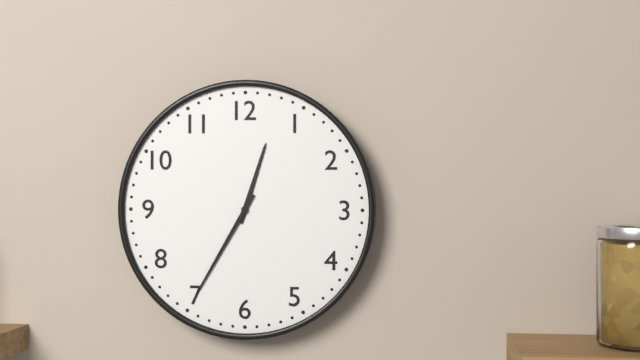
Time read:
12h35
